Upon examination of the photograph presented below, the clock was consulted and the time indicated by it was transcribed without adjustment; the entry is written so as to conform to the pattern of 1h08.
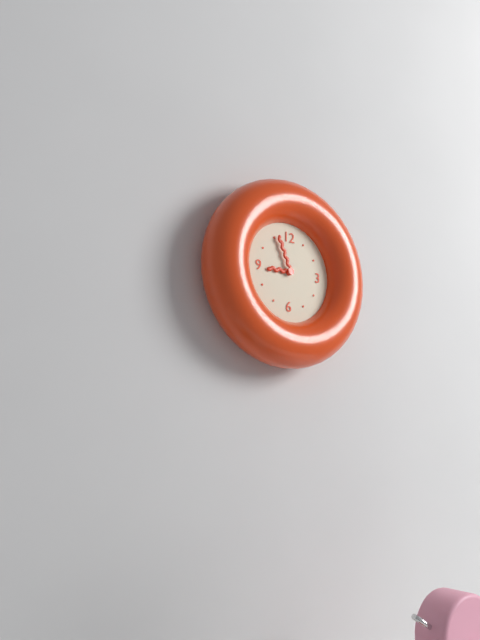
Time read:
8h56
